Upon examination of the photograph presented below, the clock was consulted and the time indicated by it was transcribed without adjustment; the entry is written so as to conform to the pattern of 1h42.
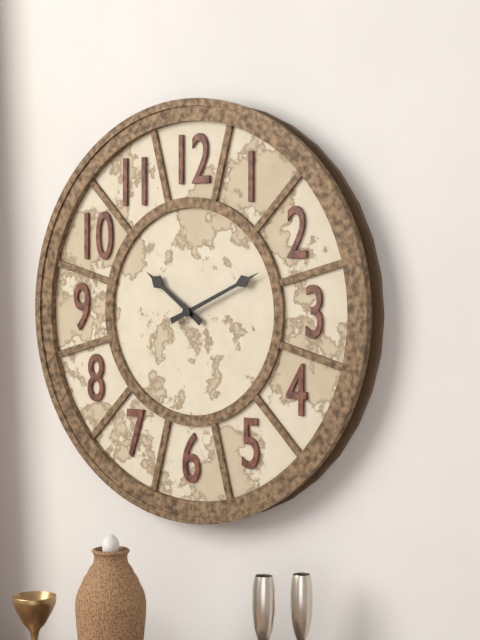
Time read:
10h11
